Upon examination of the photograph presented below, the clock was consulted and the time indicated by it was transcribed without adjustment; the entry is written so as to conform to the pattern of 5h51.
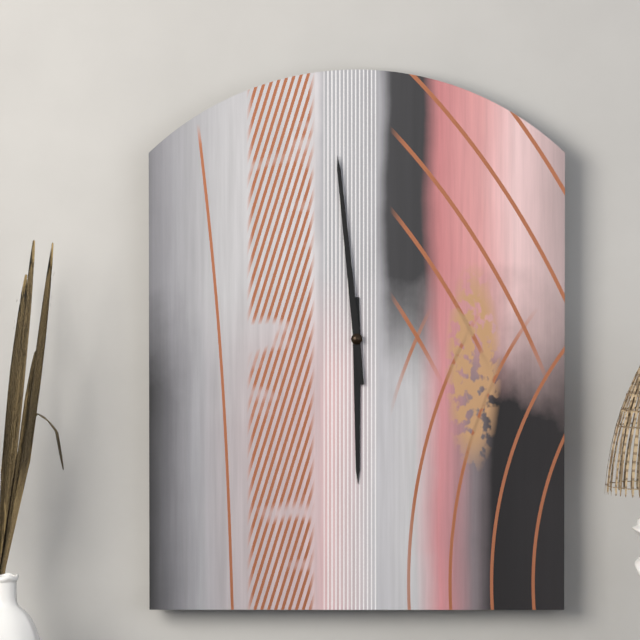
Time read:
5h59
